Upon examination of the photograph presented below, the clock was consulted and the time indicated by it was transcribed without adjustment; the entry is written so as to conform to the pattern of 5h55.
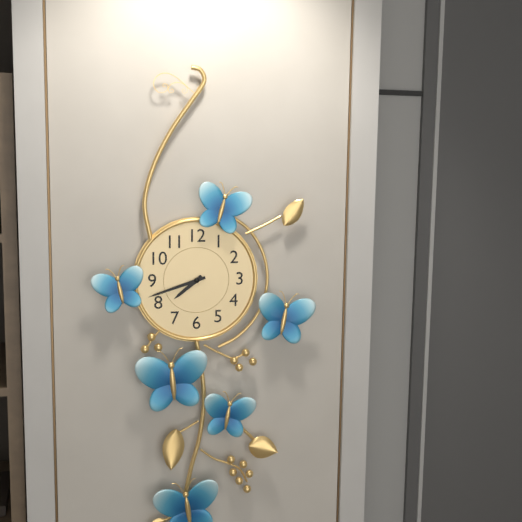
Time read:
7h42
